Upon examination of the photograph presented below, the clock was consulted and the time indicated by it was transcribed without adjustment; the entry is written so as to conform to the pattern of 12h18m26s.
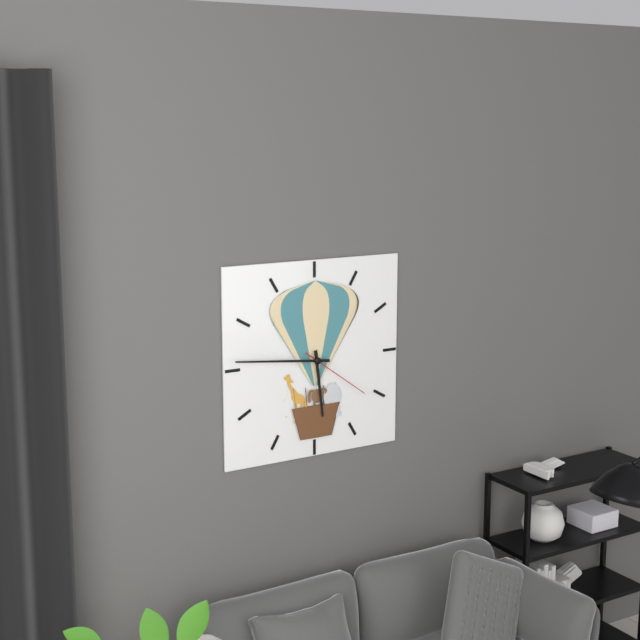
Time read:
5h46m21s
